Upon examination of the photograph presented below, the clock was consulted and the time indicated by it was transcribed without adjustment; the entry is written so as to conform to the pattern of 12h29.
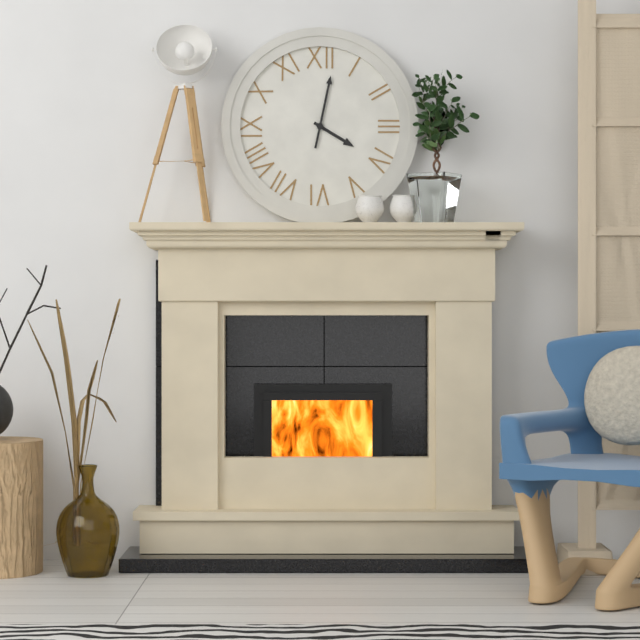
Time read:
4h02
